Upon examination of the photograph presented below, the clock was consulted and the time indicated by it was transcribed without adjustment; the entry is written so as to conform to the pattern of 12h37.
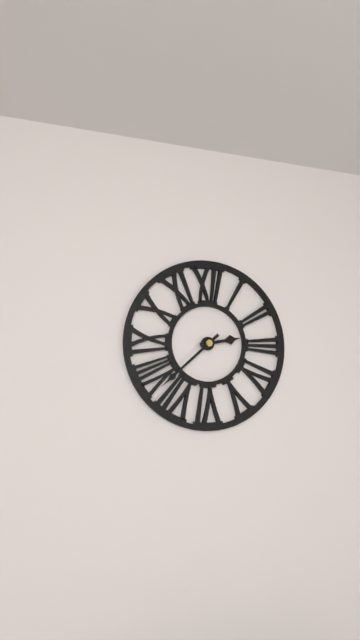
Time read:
2h38
